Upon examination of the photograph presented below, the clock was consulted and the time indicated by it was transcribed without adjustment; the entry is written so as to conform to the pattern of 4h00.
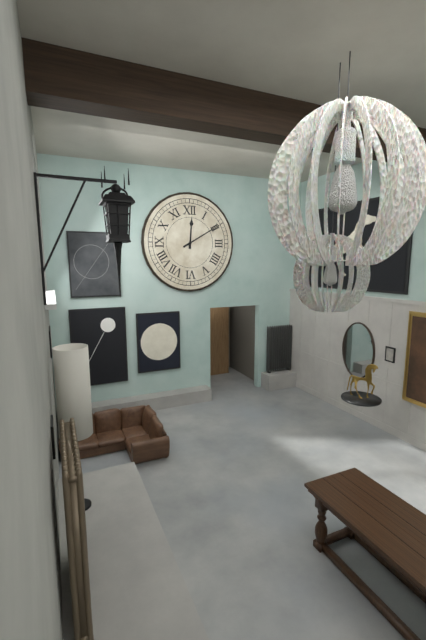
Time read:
12h10
